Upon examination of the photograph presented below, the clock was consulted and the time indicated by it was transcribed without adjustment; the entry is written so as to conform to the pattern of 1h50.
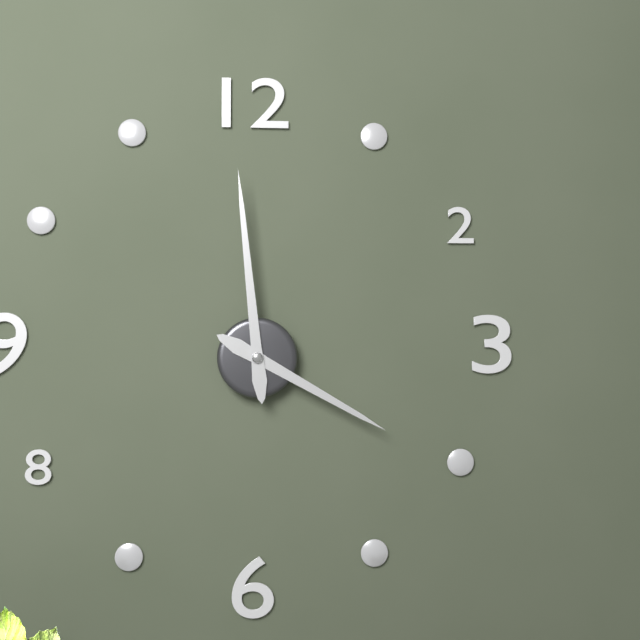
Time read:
3h59
